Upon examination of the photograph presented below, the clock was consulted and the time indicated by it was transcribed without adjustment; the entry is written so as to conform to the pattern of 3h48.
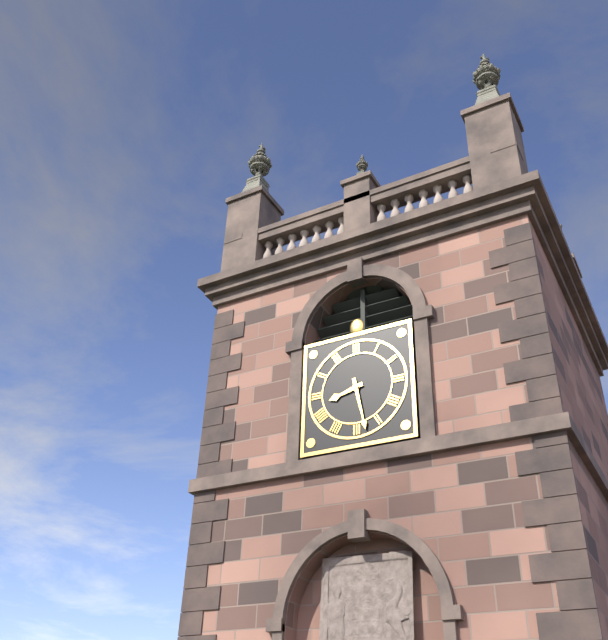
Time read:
8h28
